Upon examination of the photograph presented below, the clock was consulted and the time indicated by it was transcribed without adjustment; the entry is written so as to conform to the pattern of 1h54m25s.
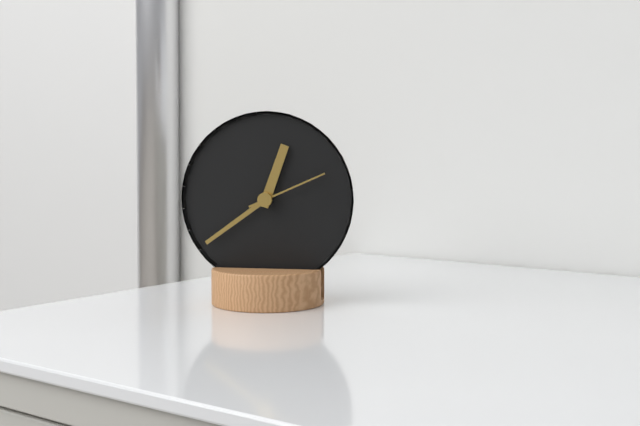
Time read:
12h39m11s
